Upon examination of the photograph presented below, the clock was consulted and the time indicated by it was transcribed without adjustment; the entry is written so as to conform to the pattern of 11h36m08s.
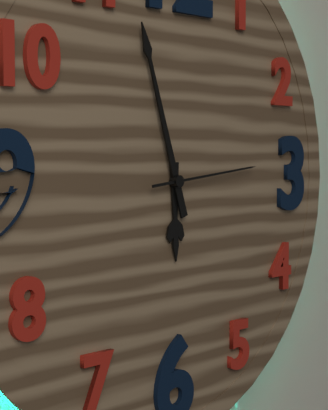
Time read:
5h57m14s
